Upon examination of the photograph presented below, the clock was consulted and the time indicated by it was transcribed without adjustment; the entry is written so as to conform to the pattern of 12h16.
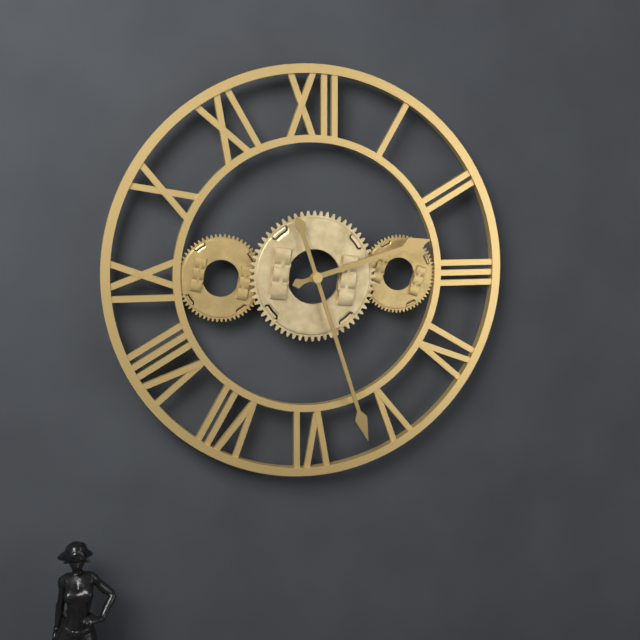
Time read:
2h27
